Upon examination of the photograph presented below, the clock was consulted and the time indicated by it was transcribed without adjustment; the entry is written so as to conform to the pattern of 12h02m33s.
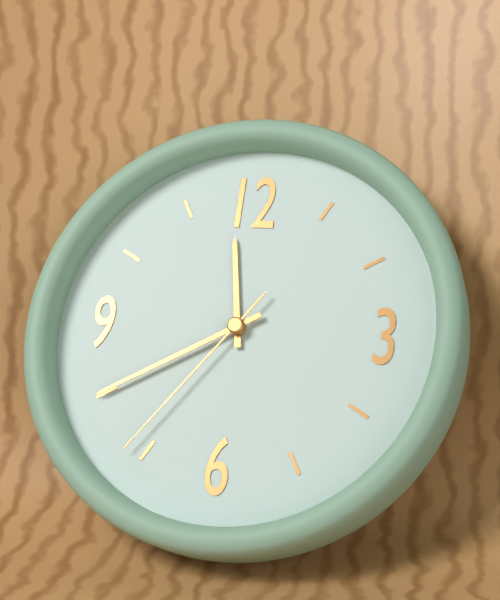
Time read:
11h40m36s
